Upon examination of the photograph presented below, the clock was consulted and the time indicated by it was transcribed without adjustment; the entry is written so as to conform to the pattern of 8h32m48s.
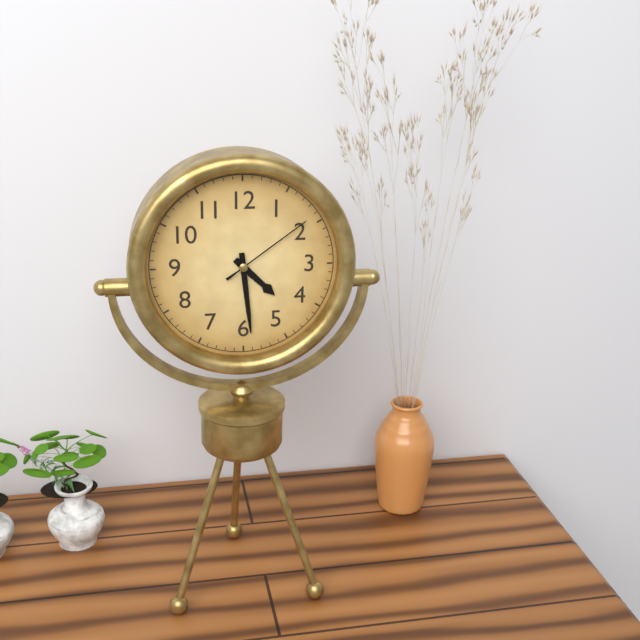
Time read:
4h29m09s
